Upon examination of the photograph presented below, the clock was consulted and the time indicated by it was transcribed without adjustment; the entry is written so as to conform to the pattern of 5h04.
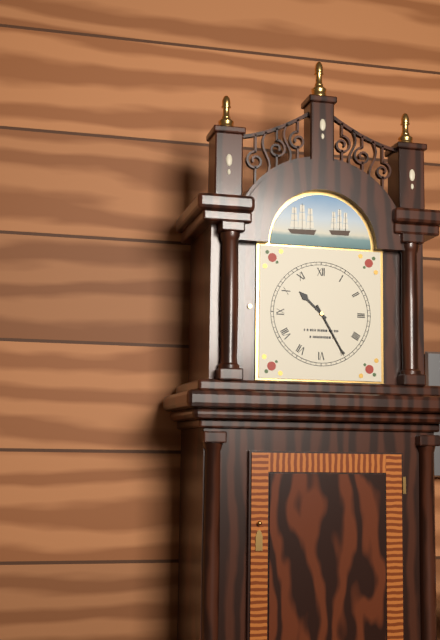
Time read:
10h25
